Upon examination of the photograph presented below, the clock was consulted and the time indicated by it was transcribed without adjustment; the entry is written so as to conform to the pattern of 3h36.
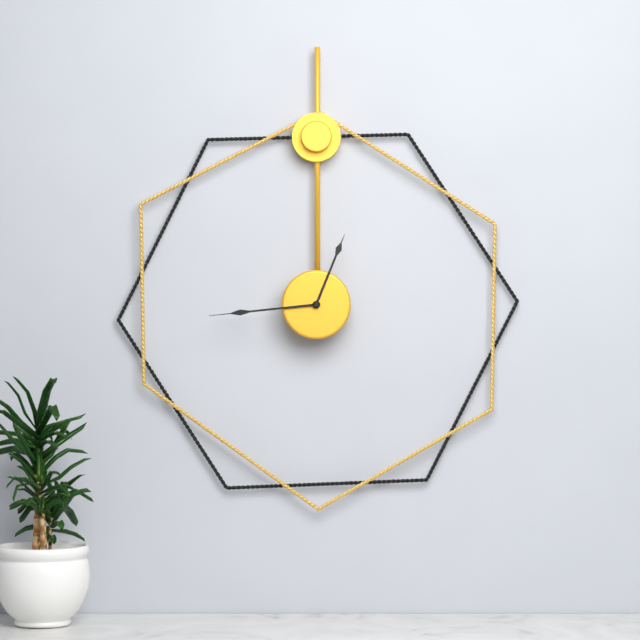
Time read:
12h44
